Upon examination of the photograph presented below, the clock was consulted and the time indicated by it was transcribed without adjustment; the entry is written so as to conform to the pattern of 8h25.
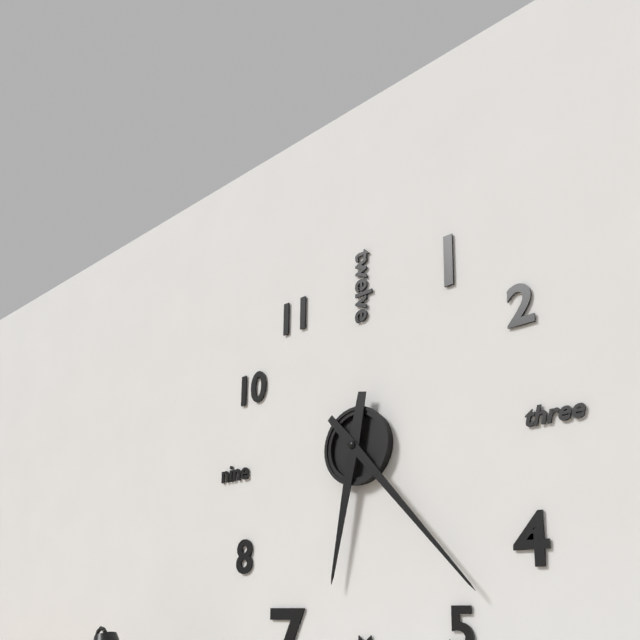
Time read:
6h23
